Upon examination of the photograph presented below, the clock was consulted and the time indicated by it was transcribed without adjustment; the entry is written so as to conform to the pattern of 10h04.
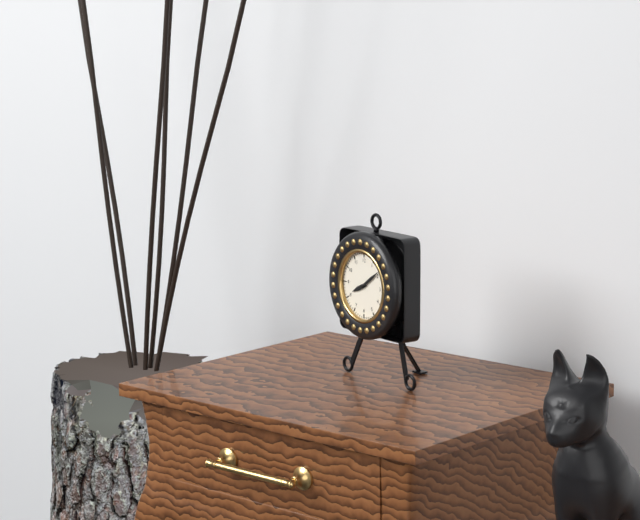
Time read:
8h09
